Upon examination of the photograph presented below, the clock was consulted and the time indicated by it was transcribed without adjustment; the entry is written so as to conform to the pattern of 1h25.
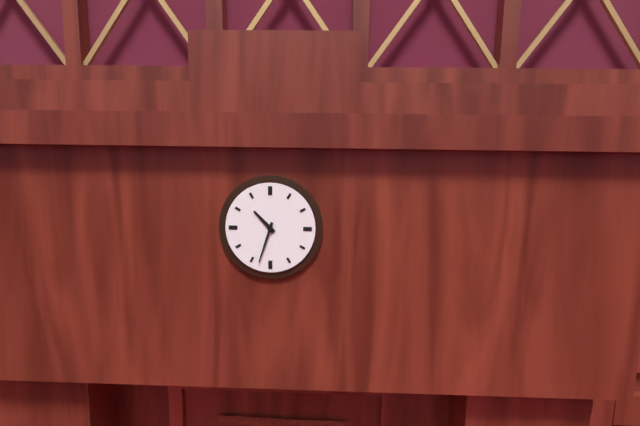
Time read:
10h33
